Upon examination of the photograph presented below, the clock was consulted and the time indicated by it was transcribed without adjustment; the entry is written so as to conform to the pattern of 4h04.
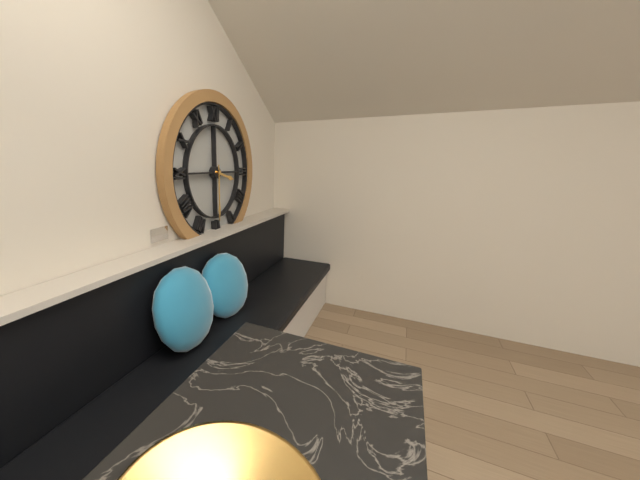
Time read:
3h30
